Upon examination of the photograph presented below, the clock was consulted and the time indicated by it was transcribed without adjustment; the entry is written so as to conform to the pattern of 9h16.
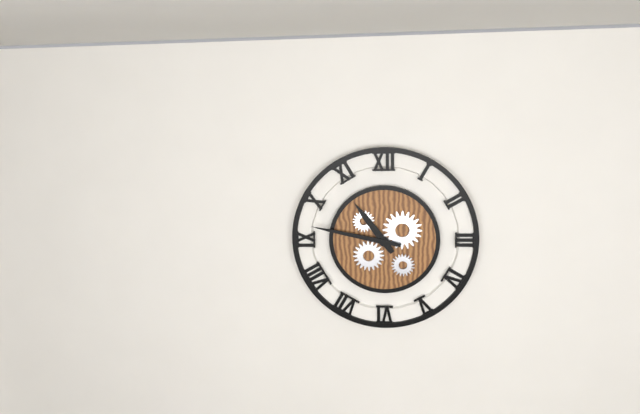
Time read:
10h47
